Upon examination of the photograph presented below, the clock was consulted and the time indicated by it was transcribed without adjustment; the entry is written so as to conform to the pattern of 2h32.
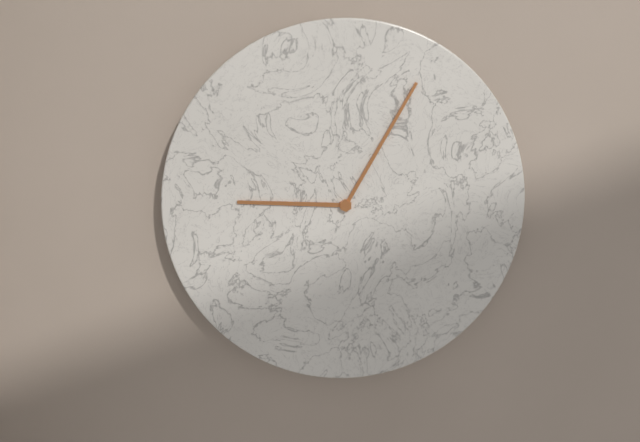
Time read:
9h05
